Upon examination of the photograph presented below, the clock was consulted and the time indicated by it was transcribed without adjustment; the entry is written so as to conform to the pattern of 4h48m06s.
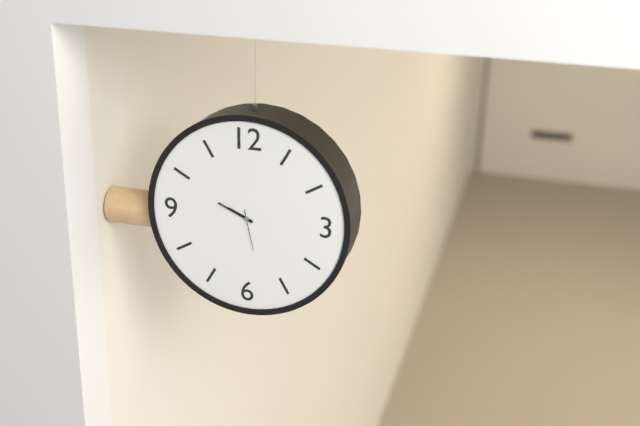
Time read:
9h49m28s
